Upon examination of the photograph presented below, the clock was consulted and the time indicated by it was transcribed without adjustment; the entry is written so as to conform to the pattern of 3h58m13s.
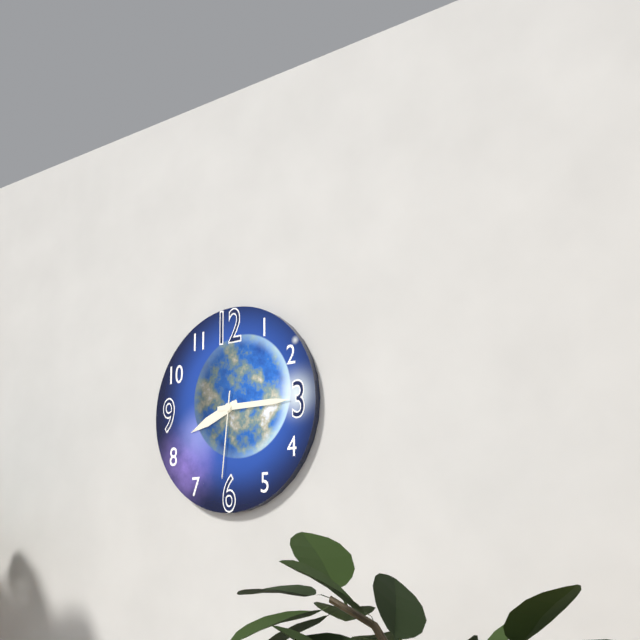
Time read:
8h15m31s
